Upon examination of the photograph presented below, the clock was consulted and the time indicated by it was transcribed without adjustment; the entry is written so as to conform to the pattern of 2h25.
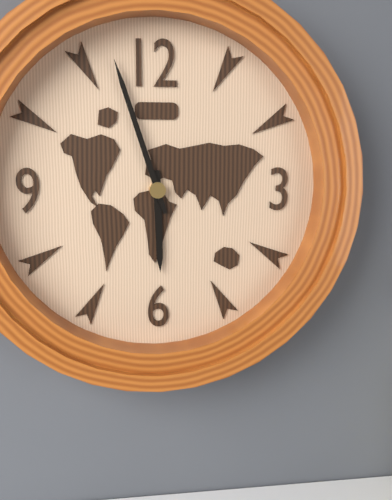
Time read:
5h57
